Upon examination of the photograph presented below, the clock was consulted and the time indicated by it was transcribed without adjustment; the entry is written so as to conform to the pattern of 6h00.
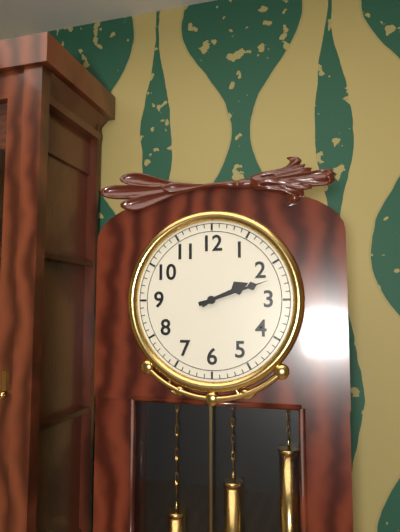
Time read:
2h12
